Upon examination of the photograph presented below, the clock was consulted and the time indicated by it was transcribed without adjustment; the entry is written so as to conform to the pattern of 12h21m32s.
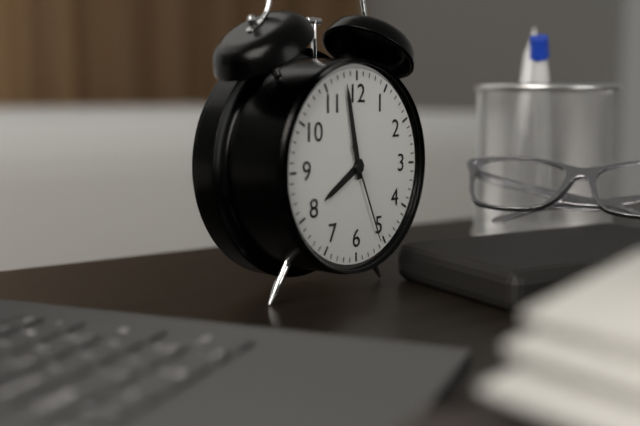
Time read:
7h58m26s
